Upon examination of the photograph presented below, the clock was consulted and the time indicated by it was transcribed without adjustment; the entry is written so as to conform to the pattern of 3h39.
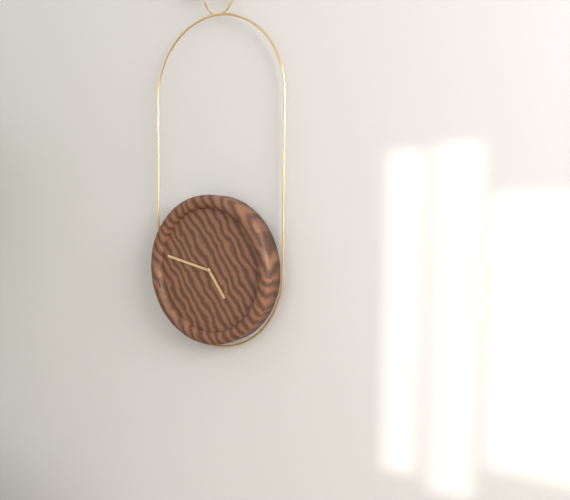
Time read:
4h47
